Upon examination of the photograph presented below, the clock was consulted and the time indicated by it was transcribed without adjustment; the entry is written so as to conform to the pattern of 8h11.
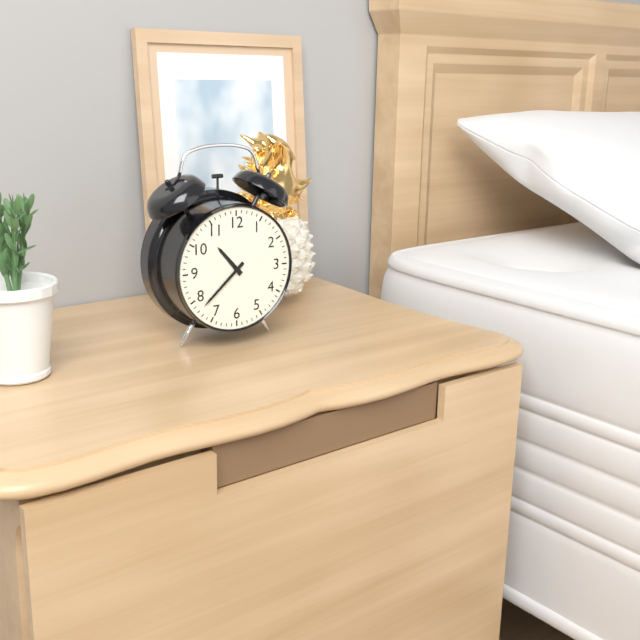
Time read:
10h38
